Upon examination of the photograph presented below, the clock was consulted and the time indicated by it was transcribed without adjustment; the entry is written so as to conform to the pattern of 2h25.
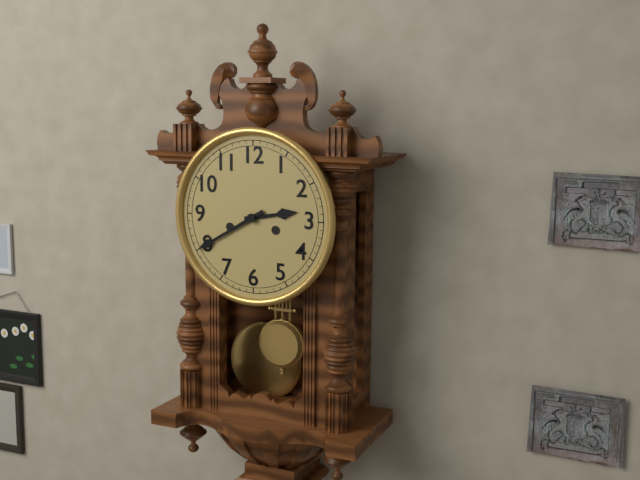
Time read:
2h40
